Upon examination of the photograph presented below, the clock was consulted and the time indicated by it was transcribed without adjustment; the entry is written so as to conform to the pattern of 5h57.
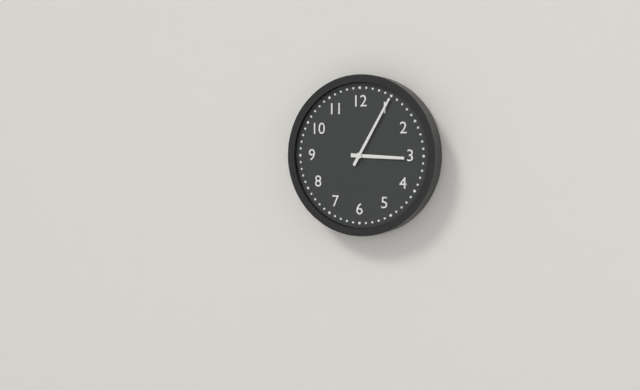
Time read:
3h05
